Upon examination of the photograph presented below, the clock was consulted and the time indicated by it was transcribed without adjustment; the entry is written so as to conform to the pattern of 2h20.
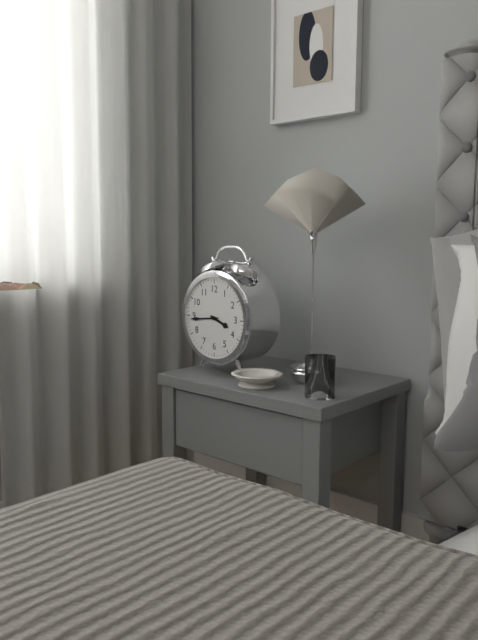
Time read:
3h44
